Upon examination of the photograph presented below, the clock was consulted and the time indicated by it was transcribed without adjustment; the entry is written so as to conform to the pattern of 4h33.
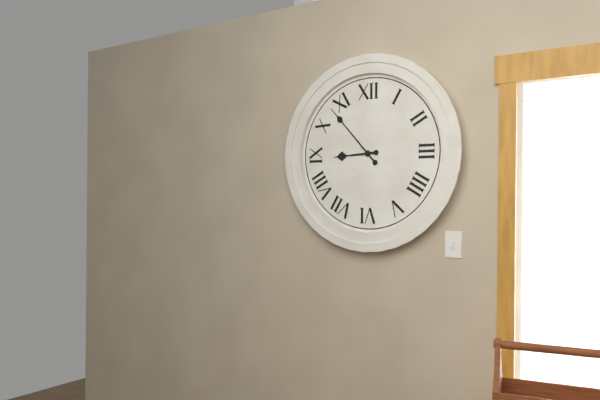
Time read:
8h53
